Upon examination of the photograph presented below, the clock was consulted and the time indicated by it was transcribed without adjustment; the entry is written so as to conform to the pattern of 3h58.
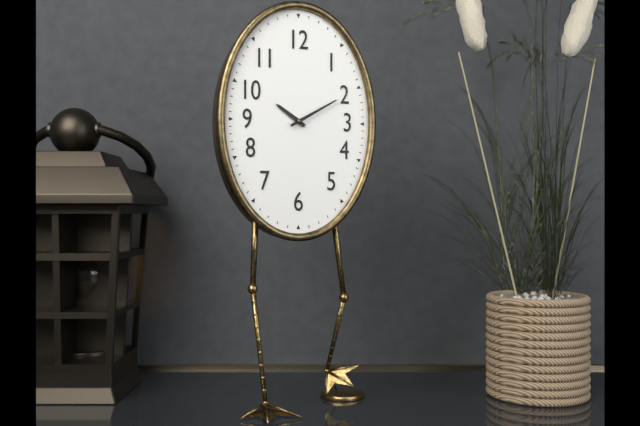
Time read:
10h10
